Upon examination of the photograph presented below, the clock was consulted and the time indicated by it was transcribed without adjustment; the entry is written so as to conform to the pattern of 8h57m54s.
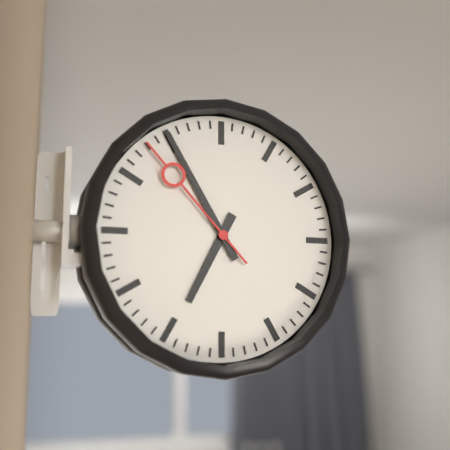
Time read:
6h55m53s
